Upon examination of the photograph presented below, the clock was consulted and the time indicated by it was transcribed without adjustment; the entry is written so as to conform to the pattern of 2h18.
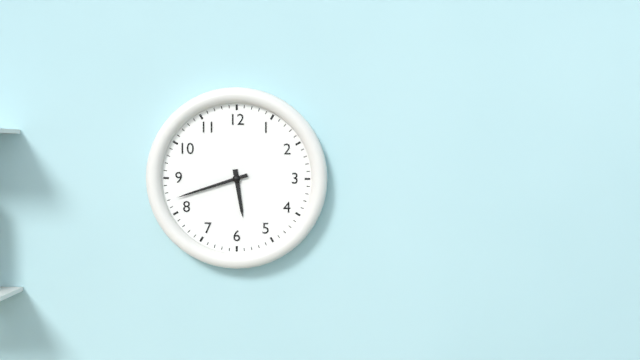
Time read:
5h42
